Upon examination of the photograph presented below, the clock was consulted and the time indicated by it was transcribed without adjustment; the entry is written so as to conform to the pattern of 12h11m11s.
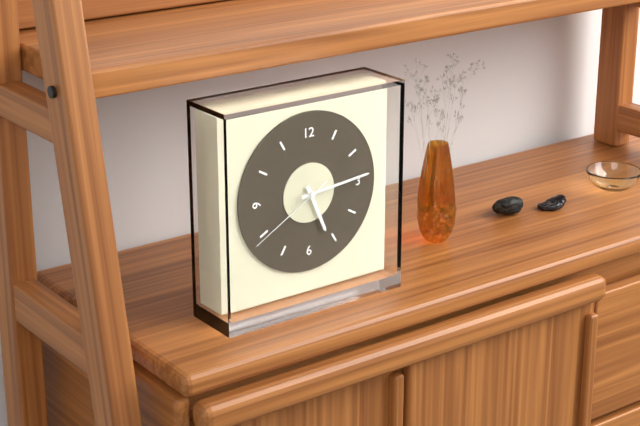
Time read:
5h14m40s
